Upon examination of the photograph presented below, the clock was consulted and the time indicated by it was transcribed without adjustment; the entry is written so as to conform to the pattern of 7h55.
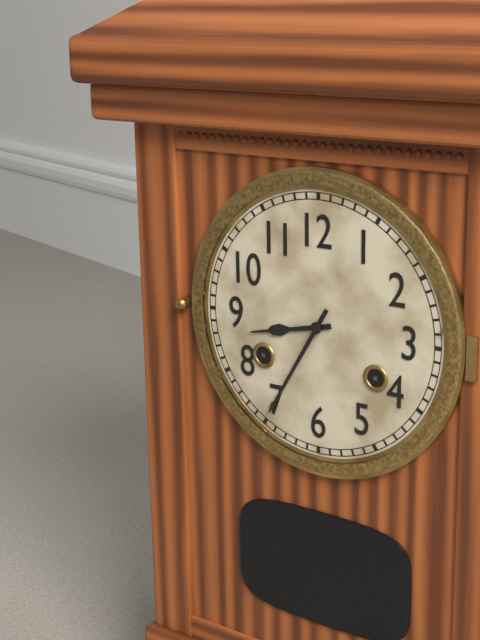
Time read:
8h35
